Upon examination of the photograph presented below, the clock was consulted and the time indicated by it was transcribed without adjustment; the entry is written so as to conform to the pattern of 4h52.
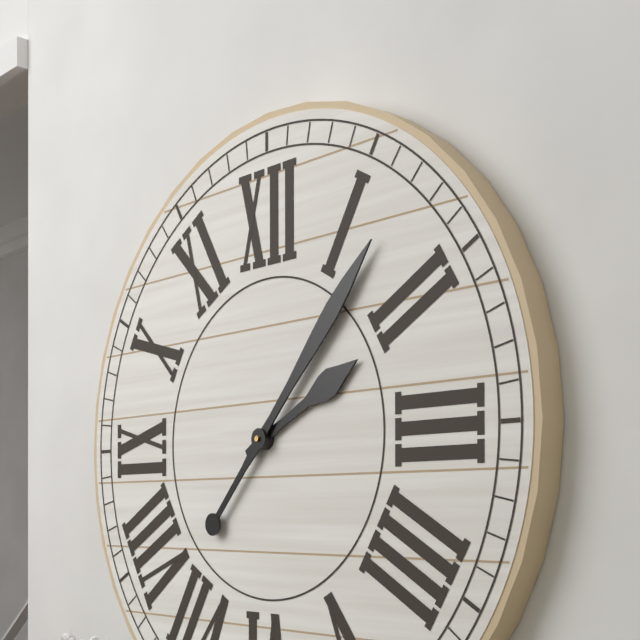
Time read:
2h07
